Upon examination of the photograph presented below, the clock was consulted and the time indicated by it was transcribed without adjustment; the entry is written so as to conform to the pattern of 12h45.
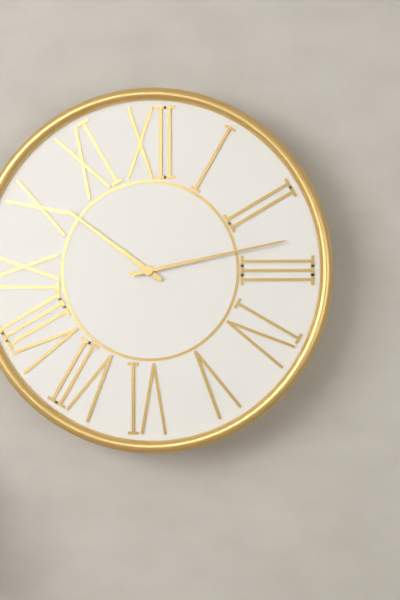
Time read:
10h13
